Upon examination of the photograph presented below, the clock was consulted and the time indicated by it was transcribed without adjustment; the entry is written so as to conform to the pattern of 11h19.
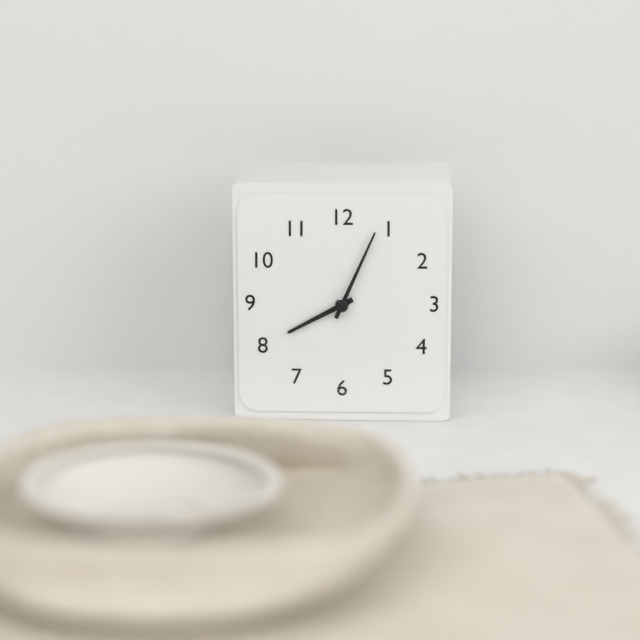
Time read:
8h04
